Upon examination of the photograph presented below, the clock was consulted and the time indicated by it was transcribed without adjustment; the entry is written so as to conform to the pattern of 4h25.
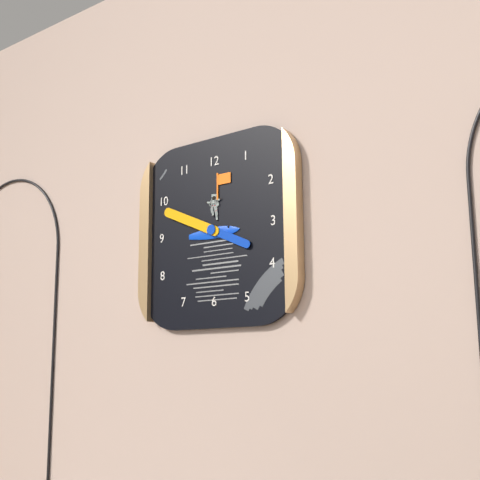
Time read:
3h49
